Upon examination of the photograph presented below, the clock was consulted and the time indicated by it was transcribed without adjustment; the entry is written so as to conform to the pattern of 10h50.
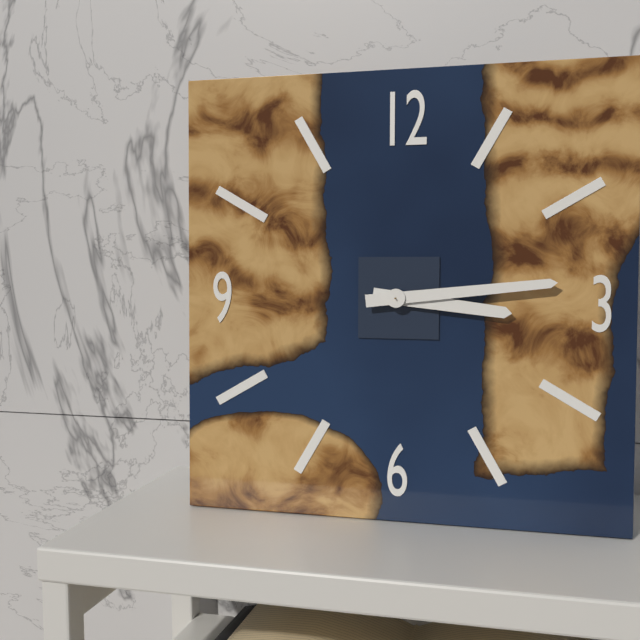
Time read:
3h14
